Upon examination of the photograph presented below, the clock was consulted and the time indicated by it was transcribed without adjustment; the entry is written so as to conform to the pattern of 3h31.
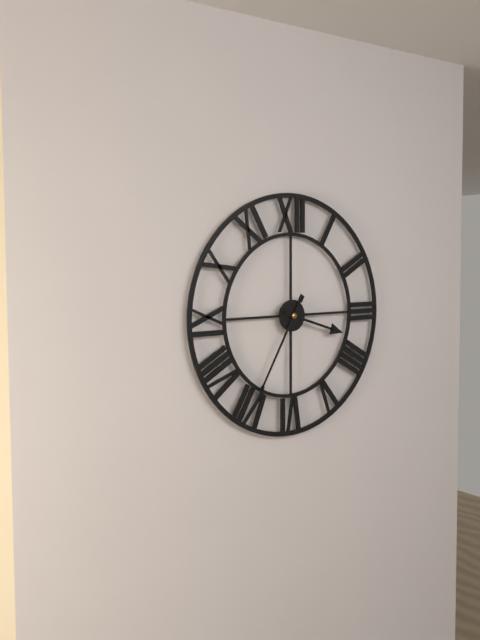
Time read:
3h35
